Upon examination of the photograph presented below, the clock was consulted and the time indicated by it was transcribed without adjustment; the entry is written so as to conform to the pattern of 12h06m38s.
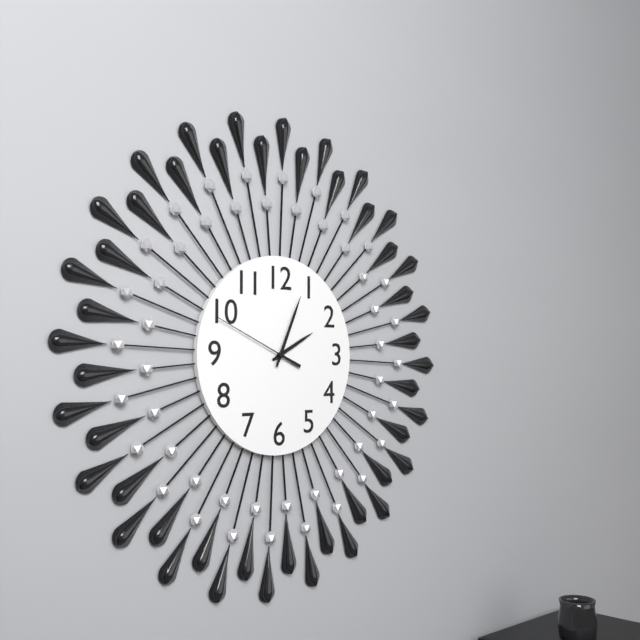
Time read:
2h04m49s
